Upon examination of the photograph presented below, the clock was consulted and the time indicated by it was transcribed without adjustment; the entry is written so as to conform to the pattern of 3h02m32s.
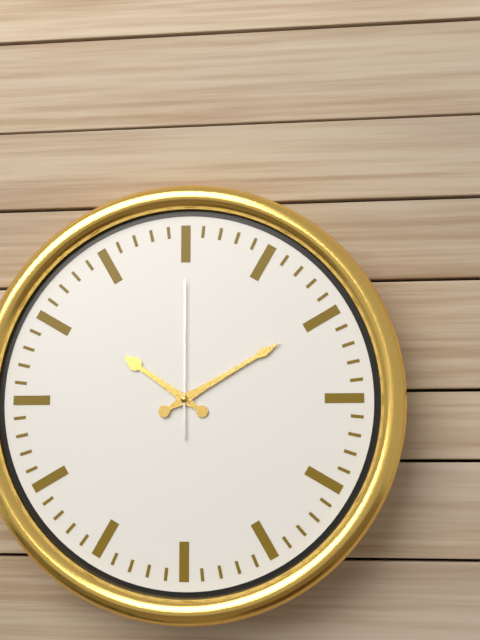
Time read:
10h10m00s
